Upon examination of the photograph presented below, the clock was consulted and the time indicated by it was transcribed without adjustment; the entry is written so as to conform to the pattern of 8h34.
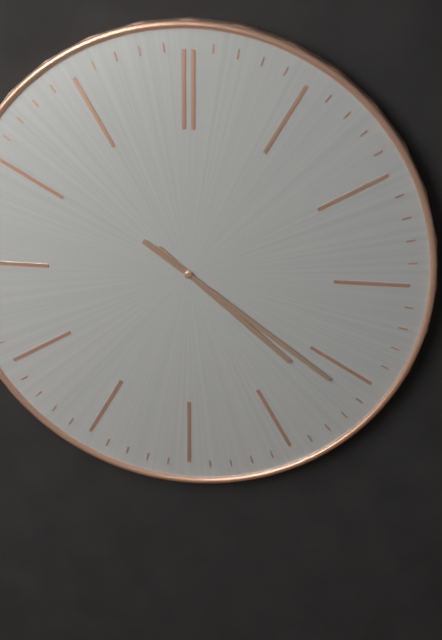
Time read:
4h21
